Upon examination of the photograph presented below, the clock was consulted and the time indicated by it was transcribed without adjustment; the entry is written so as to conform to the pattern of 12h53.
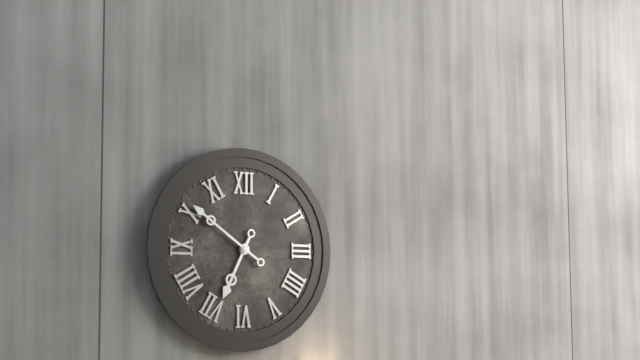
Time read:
6h51
